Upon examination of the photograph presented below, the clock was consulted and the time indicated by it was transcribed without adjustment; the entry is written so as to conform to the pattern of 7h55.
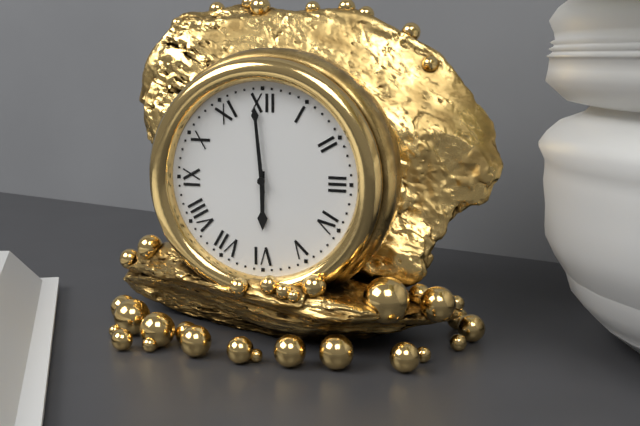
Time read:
5h59
